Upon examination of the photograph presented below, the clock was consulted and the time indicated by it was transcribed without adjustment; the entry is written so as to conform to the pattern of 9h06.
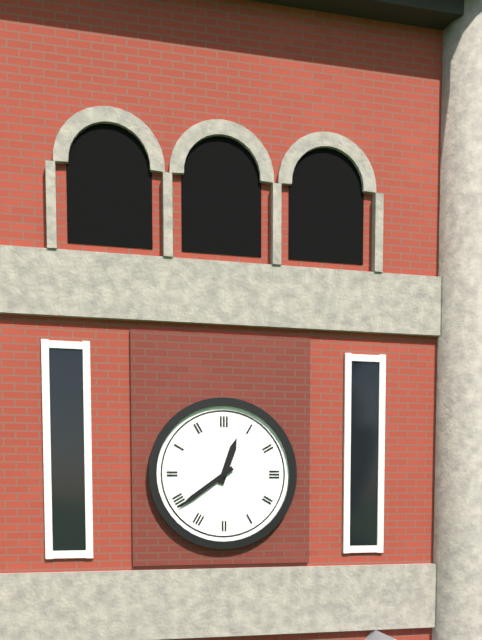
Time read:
12h39
